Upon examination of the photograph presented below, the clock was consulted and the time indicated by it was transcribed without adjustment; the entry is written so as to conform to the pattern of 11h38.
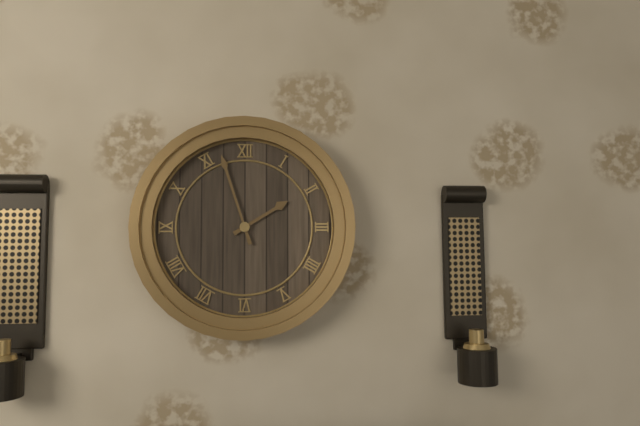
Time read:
1h57
